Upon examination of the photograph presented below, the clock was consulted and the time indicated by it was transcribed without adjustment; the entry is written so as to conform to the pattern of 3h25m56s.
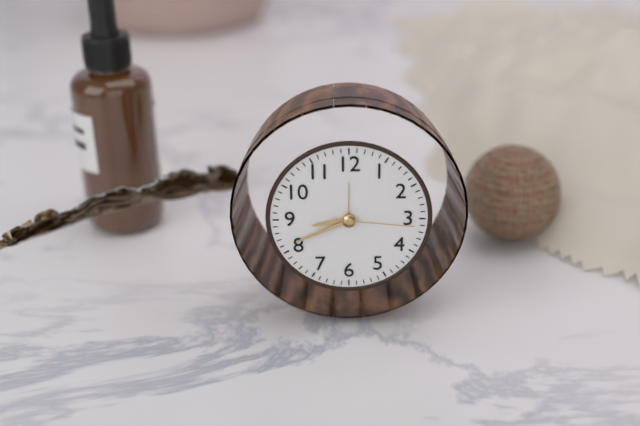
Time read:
8h41m16s
